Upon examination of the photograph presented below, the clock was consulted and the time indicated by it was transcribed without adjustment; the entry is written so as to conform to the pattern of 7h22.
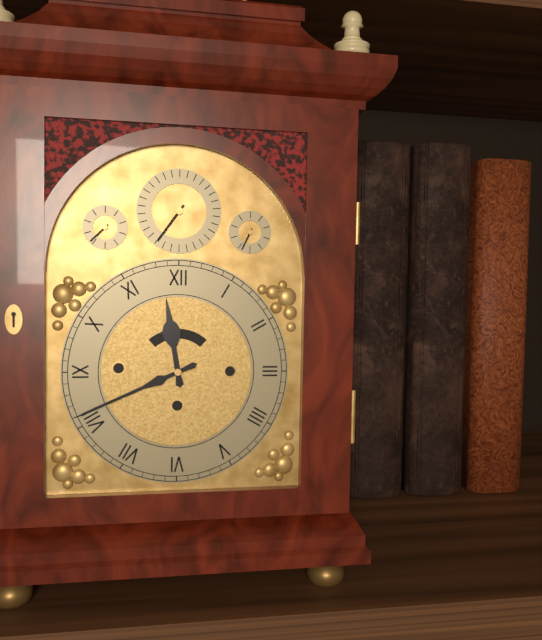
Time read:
11h41
